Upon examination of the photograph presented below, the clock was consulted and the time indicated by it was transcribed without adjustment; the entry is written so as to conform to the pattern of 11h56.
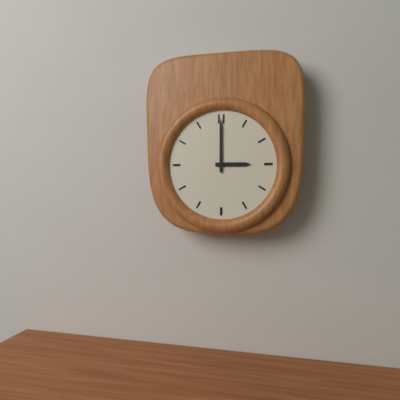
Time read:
3h00
